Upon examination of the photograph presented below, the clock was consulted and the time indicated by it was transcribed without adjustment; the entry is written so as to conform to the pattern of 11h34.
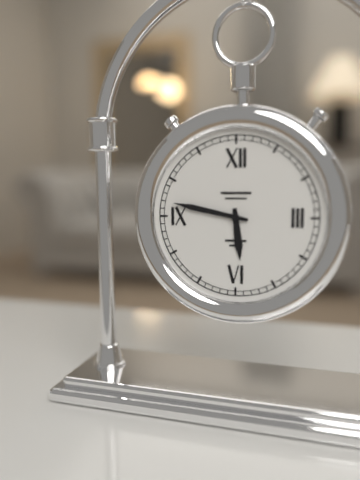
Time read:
5h47
